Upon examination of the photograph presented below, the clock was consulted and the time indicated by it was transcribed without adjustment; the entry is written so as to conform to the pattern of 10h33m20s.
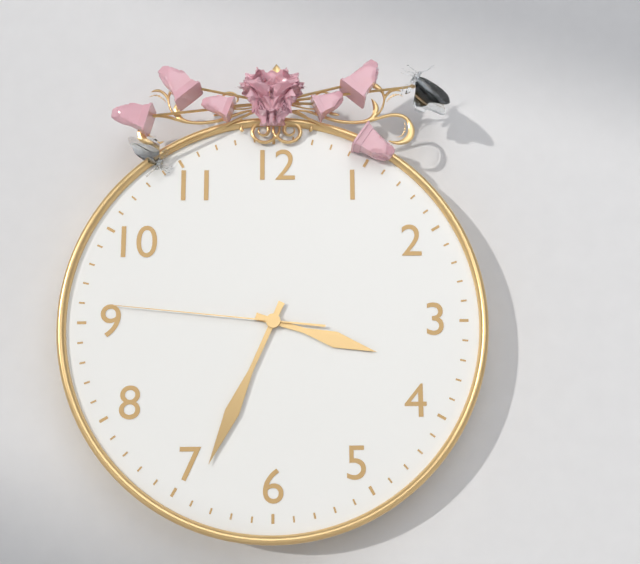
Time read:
3h34m46s
